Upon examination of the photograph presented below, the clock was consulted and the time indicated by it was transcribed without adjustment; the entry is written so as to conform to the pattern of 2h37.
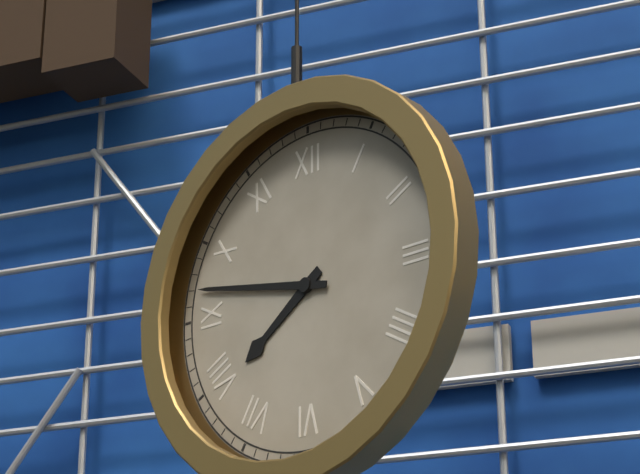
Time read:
7h47
